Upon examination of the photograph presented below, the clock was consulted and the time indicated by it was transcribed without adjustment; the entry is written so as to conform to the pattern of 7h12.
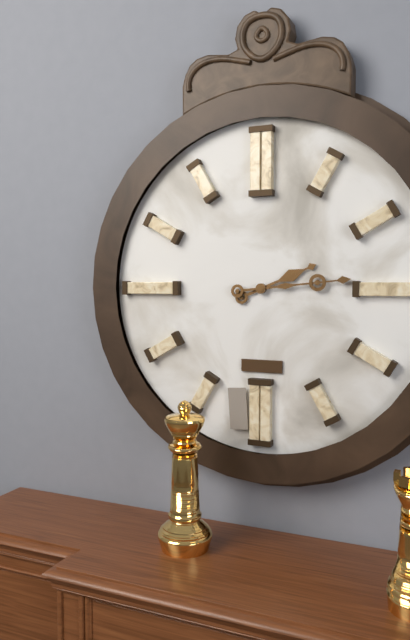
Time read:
2h14
